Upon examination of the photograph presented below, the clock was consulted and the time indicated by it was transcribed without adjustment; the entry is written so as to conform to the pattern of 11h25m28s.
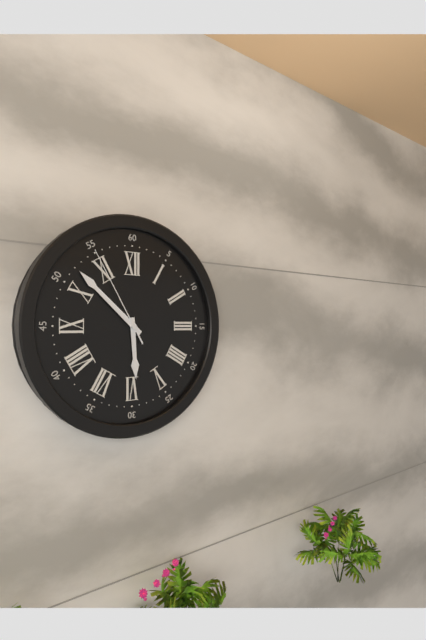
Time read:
5h52m55s
